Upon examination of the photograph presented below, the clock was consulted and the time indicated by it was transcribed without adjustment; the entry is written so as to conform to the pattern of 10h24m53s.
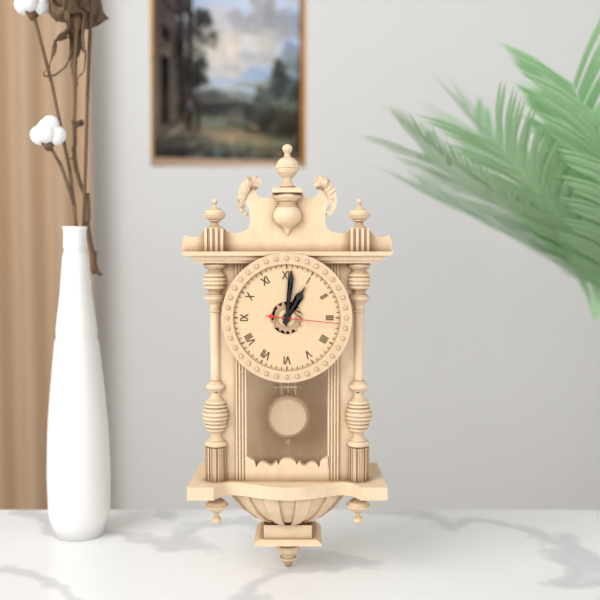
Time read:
1h01m16s
